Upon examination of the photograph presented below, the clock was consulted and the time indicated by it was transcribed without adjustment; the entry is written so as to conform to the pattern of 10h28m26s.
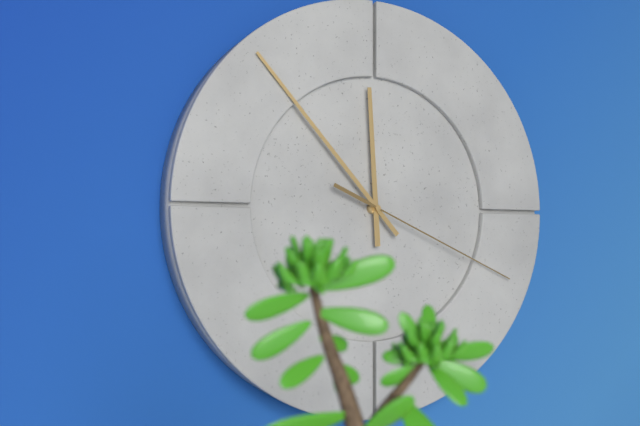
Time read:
11h53m19s
